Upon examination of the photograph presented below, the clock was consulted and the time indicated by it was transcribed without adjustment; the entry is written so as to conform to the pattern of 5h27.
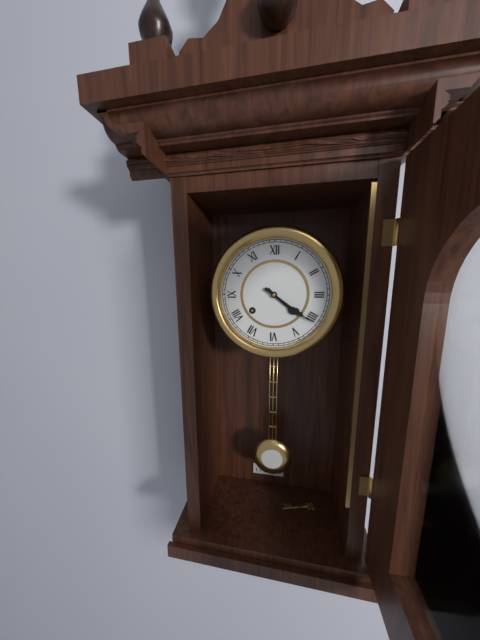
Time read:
4h21
